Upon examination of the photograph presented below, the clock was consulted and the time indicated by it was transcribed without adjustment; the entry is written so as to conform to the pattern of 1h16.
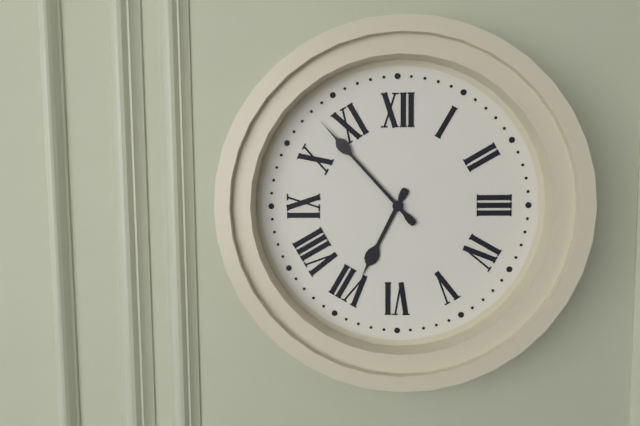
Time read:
6h53
